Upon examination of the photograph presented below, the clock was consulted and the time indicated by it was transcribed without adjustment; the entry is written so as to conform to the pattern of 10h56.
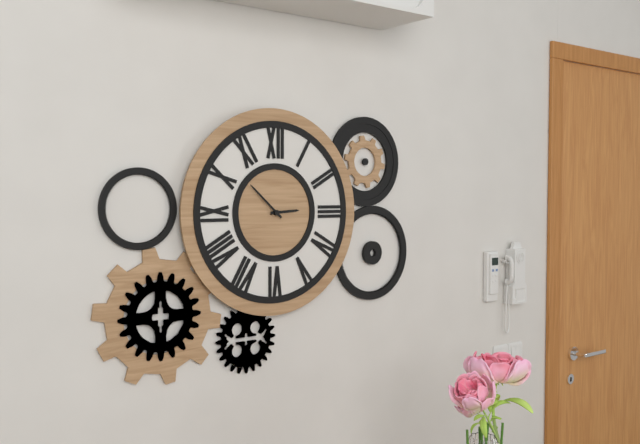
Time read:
2h52
